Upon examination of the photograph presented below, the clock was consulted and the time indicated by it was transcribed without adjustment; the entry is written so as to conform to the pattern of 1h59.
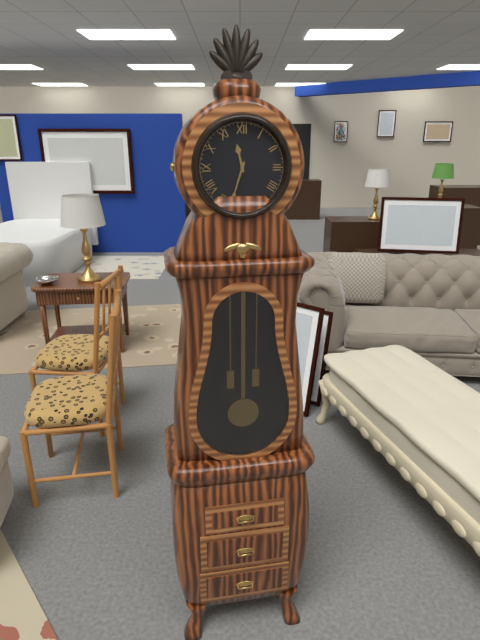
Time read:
11h33
